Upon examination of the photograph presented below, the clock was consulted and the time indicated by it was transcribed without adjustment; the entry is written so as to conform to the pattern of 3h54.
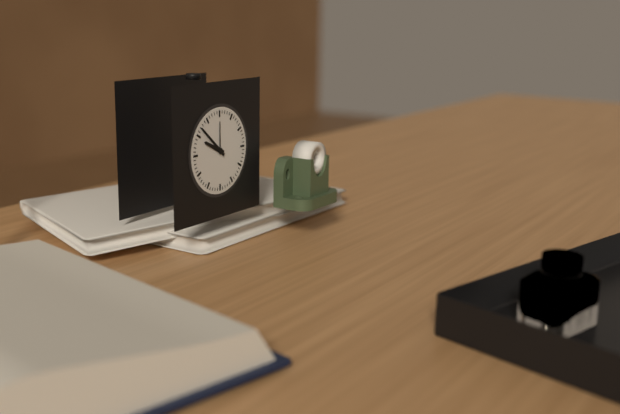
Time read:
9h52
